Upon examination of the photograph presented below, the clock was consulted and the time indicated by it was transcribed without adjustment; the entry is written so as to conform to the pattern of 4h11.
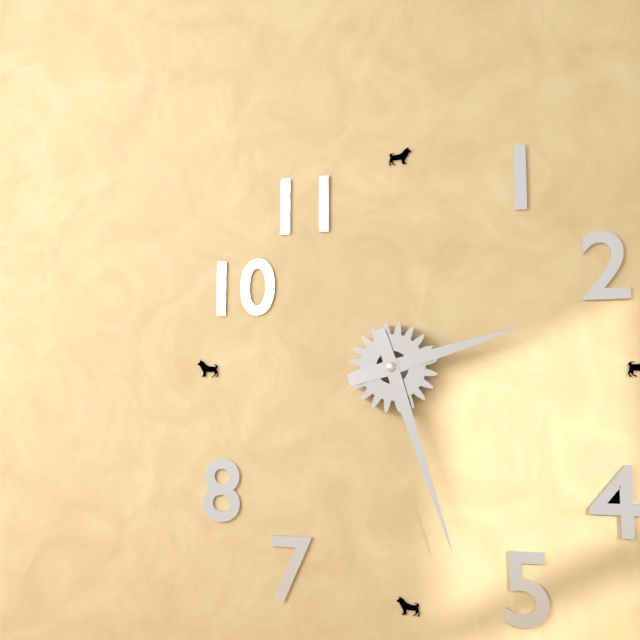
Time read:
2h27
